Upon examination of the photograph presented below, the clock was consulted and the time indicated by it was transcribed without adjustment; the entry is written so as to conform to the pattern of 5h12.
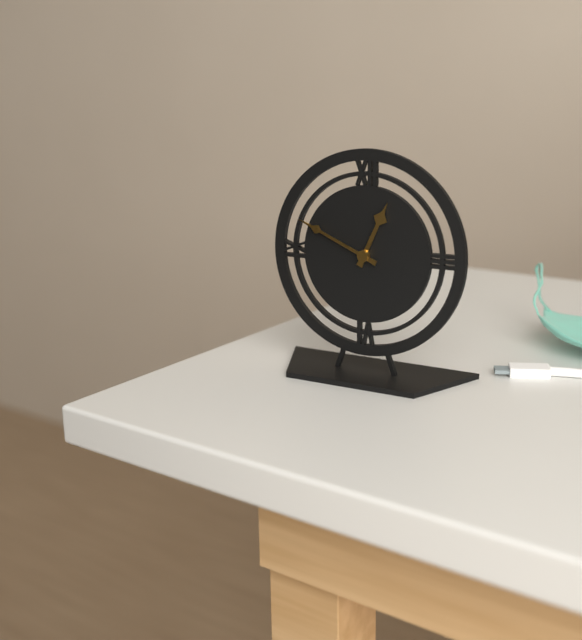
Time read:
12h49
